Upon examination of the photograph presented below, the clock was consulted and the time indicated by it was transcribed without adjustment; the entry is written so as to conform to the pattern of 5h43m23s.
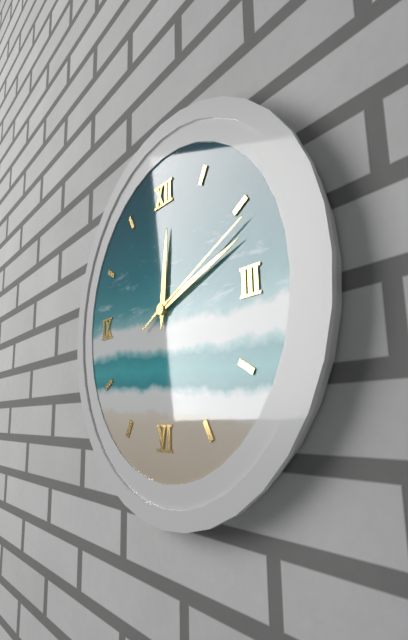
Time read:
12h12m11s
